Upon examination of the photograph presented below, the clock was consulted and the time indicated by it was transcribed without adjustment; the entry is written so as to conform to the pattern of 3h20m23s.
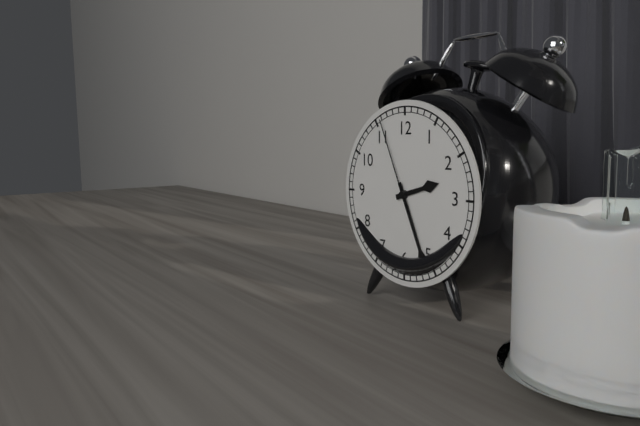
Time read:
2h26m56s
